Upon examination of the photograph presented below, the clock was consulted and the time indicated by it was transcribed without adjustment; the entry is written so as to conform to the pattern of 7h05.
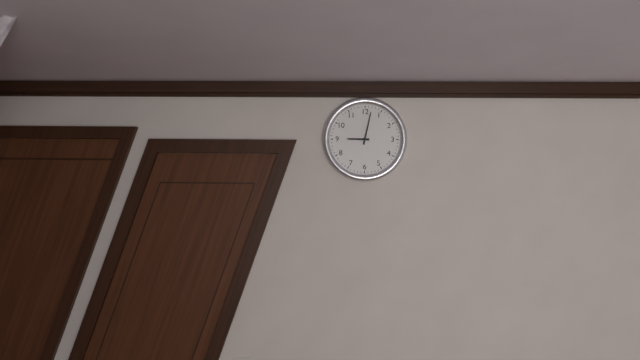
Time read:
9h02
